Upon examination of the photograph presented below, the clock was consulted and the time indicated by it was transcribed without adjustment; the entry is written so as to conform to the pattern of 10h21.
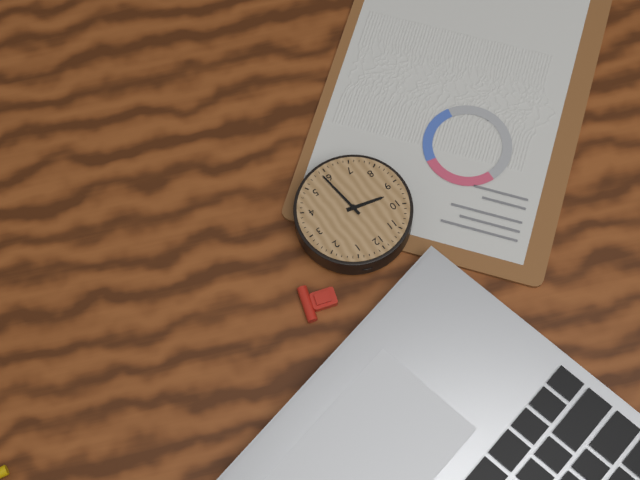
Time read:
9h29
